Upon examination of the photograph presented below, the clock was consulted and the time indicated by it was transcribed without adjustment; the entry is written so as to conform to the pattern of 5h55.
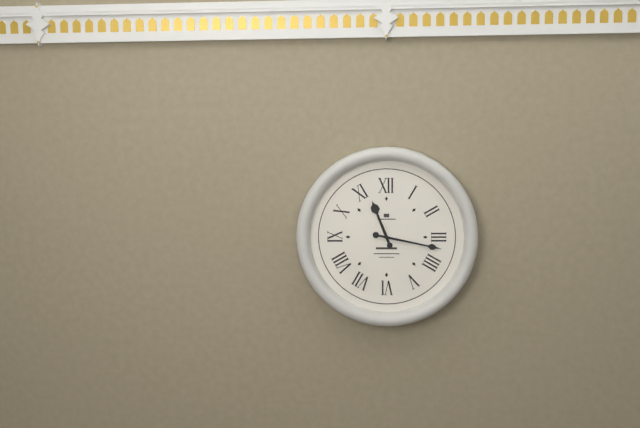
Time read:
11h17
